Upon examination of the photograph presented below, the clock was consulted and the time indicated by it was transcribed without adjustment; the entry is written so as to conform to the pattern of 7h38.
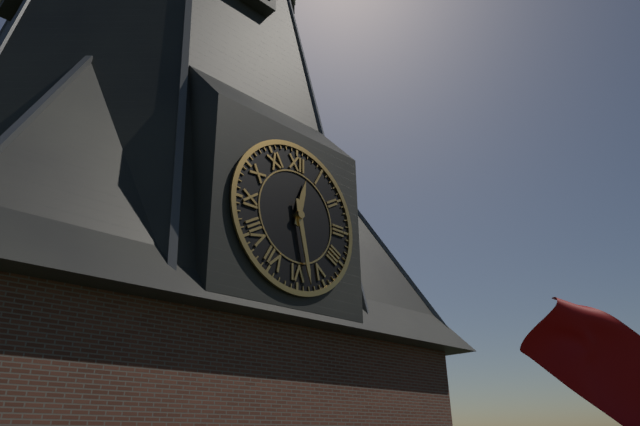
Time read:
12h28
